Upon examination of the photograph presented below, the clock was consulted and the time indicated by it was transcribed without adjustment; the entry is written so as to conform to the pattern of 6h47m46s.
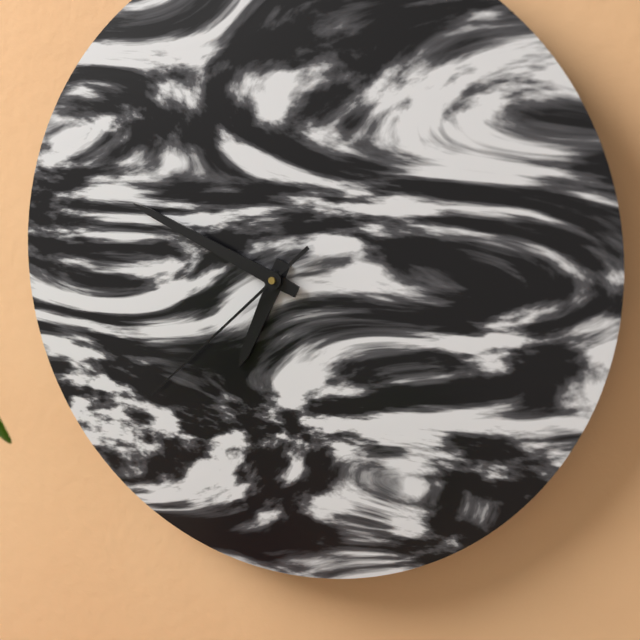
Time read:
6h49m38s
